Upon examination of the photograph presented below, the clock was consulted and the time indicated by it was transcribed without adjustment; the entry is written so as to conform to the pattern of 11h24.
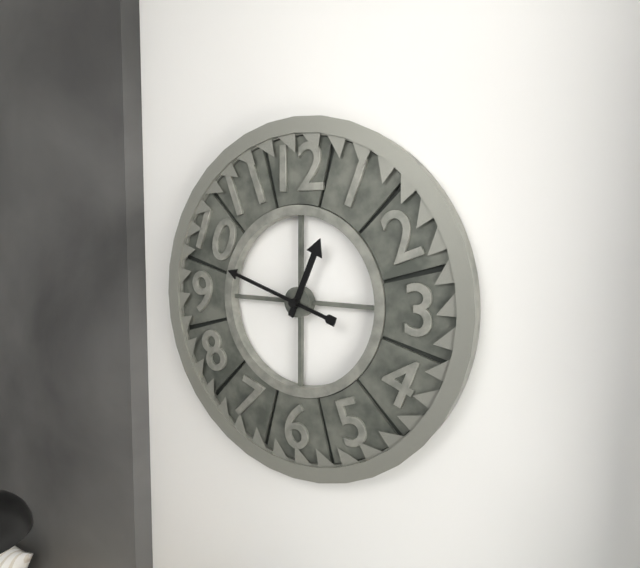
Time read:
12h48
